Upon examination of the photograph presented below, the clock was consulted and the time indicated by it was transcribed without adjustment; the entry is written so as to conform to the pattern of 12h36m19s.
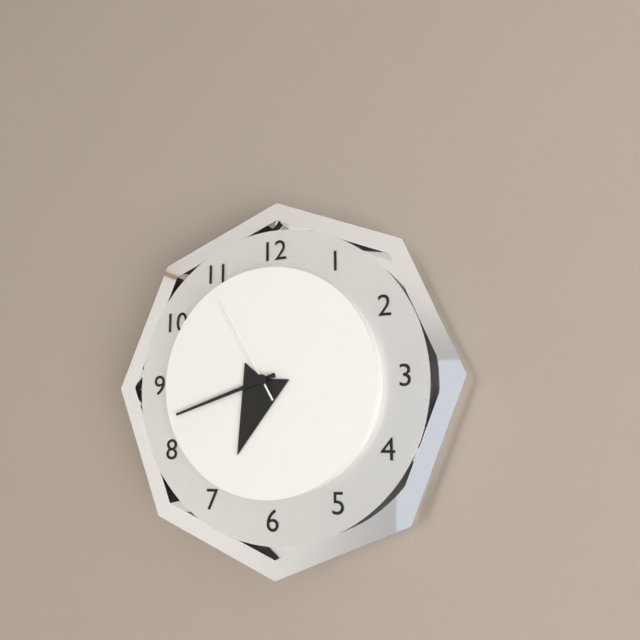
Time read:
6h42m55s
